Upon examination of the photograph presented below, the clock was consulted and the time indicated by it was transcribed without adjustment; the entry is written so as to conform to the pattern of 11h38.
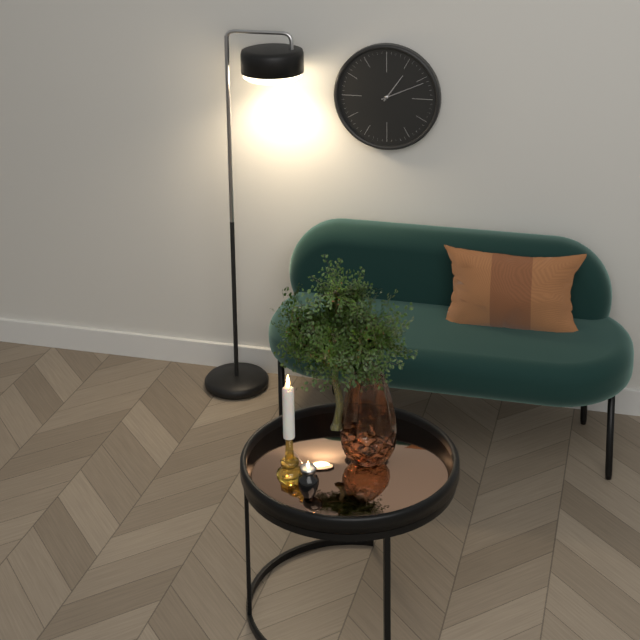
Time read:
1h11
